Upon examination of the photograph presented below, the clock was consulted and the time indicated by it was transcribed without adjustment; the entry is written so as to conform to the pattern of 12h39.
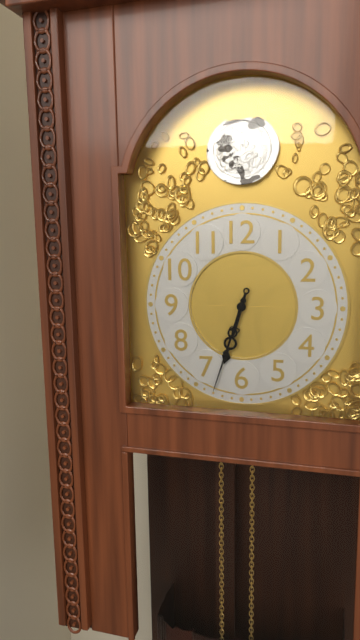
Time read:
6h33
